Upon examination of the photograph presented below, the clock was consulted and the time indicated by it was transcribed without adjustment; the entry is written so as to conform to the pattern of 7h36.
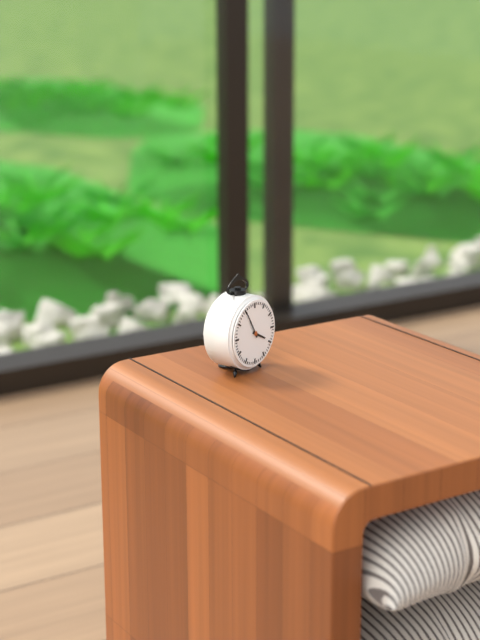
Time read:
3h55
